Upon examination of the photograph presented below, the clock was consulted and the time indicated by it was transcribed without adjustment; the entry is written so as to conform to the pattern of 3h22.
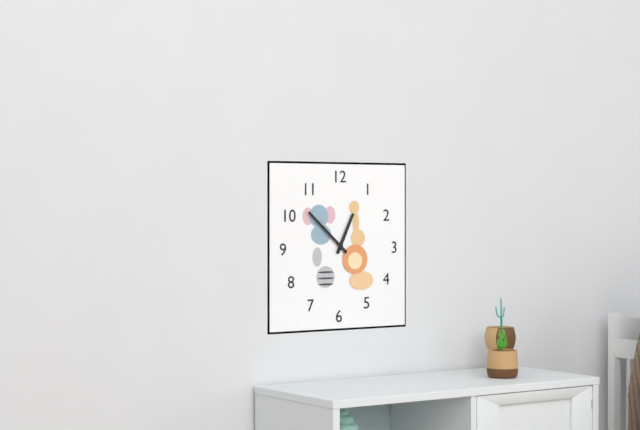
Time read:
12h52
